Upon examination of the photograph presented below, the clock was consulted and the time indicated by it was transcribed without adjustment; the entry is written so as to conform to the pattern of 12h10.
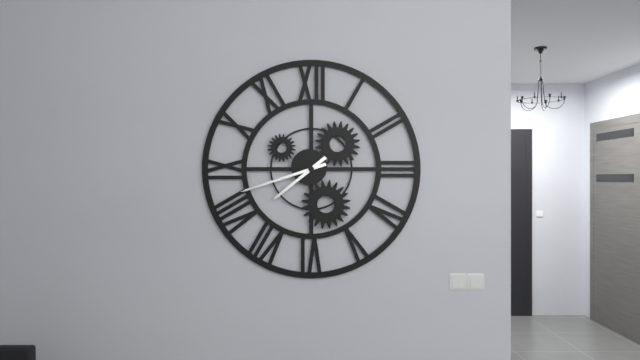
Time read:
7h42
